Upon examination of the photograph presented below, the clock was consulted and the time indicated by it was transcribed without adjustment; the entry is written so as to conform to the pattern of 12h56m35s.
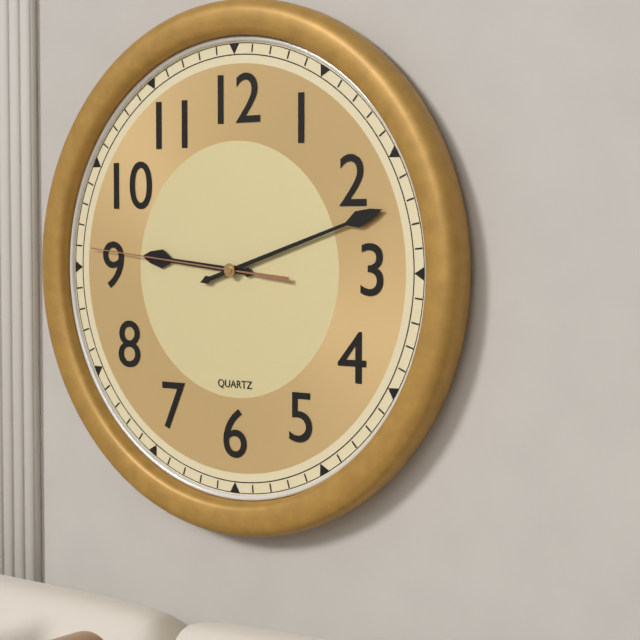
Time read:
9h12m46s
